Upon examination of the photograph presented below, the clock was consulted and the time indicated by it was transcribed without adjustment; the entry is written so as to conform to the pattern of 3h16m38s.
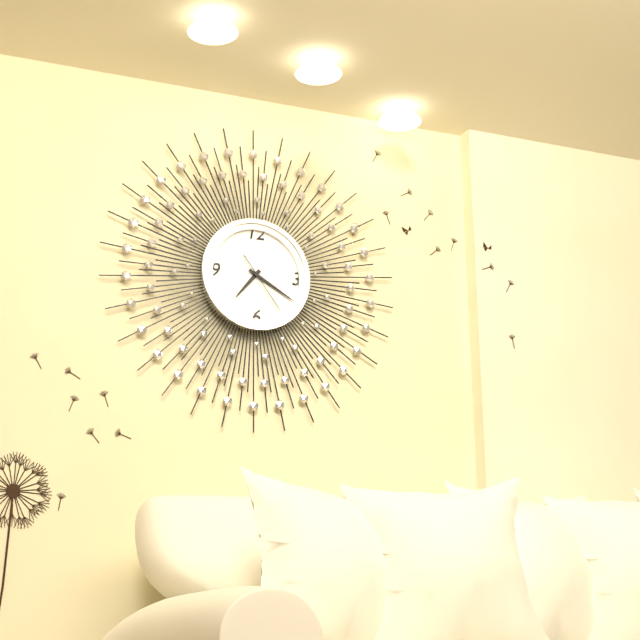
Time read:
7h20m24s
